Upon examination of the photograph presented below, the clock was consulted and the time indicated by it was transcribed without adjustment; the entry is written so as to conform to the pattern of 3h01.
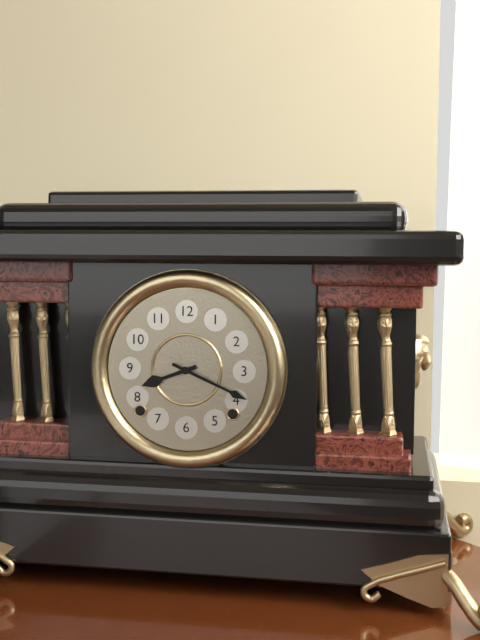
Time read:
8h19
